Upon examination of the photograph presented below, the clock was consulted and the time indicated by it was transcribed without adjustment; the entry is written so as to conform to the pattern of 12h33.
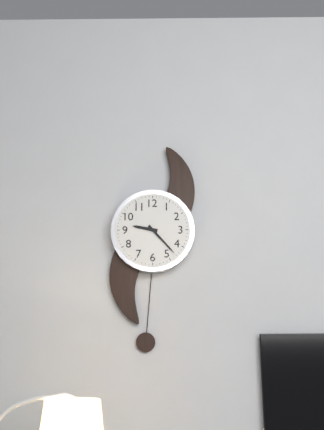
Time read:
9h23
